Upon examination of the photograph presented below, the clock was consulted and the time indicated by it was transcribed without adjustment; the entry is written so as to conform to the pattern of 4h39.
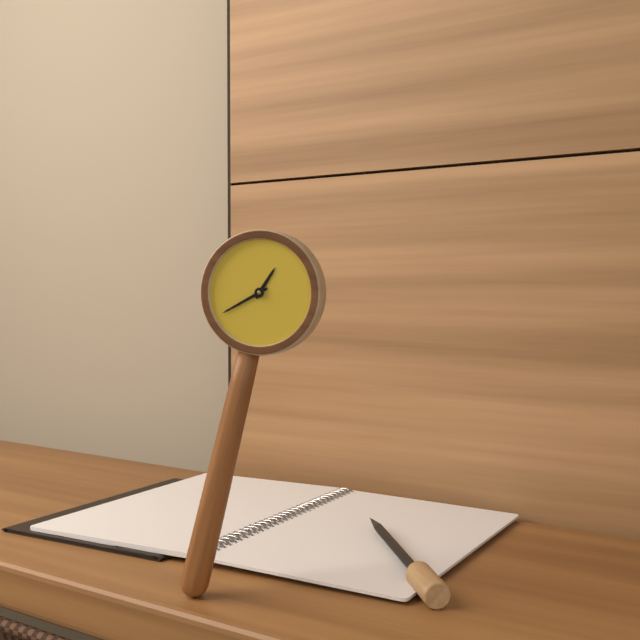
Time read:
12h38
